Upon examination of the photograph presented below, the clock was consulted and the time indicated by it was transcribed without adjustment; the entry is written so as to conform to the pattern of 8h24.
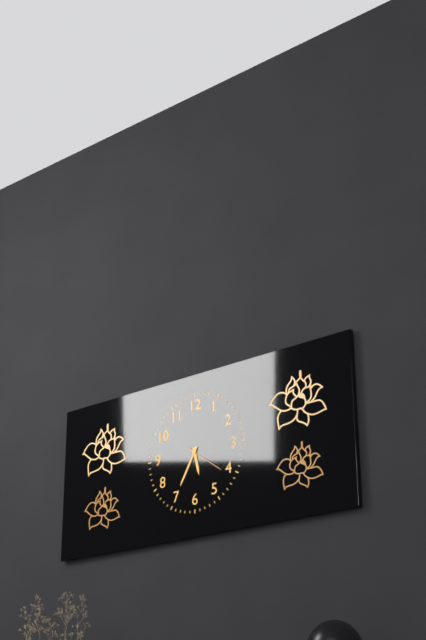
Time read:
5h35
